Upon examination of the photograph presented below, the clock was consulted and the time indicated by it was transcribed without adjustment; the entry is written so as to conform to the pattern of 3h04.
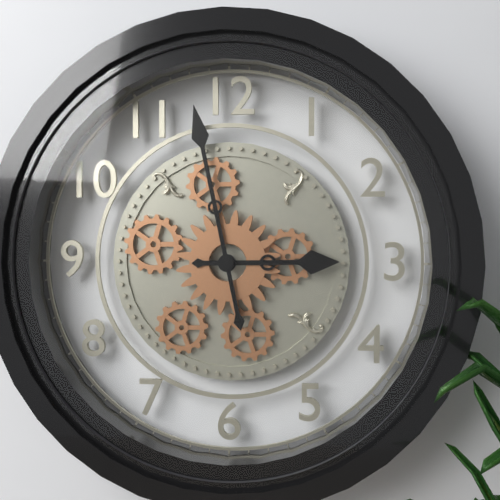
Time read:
2h58
